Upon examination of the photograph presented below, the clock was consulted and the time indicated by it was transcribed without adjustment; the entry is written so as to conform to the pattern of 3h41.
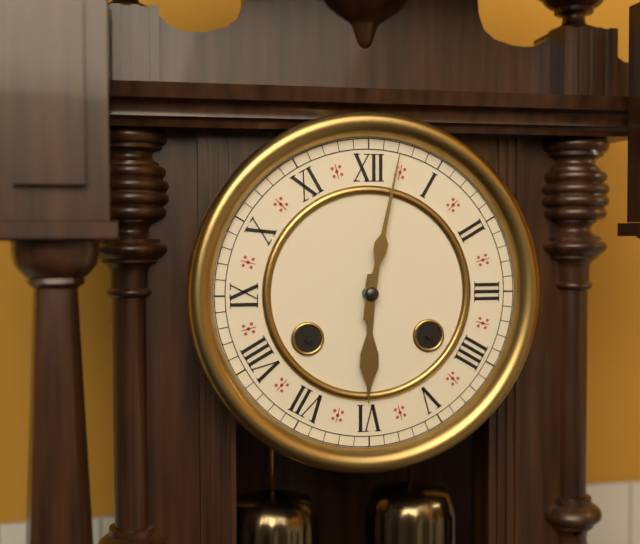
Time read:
6h02
